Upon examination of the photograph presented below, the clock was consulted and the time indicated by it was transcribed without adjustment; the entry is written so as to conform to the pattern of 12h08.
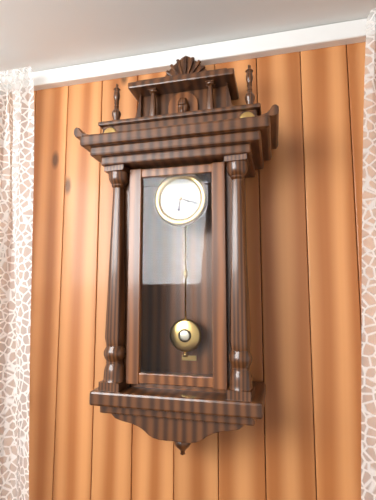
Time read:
6h18
